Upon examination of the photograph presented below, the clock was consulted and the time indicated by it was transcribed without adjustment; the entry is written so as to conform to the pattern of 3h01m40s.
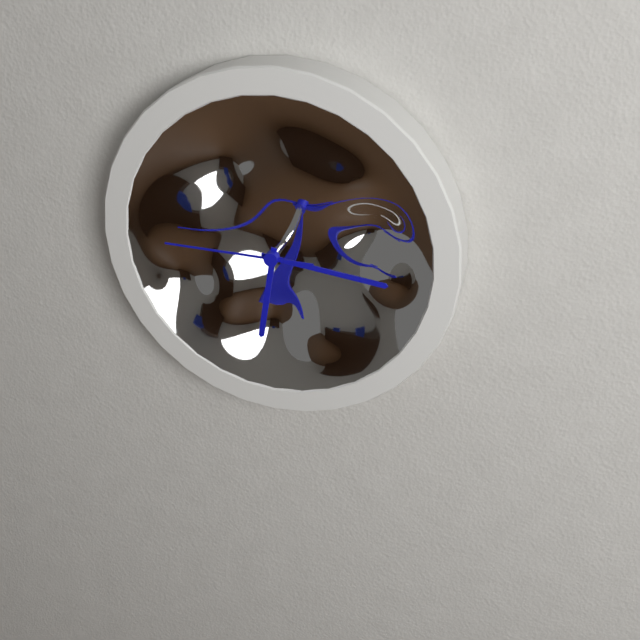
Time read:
6h16m45s
